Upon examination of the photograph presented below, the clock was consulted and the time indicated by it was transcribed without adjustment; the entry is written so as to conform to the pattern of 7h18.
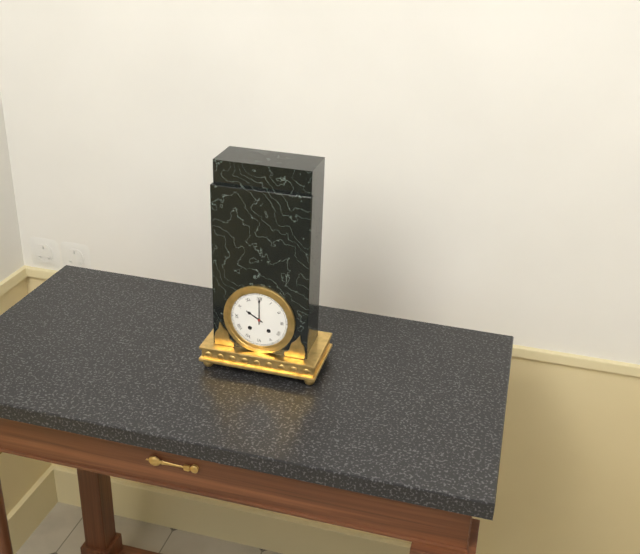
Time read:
10h00
